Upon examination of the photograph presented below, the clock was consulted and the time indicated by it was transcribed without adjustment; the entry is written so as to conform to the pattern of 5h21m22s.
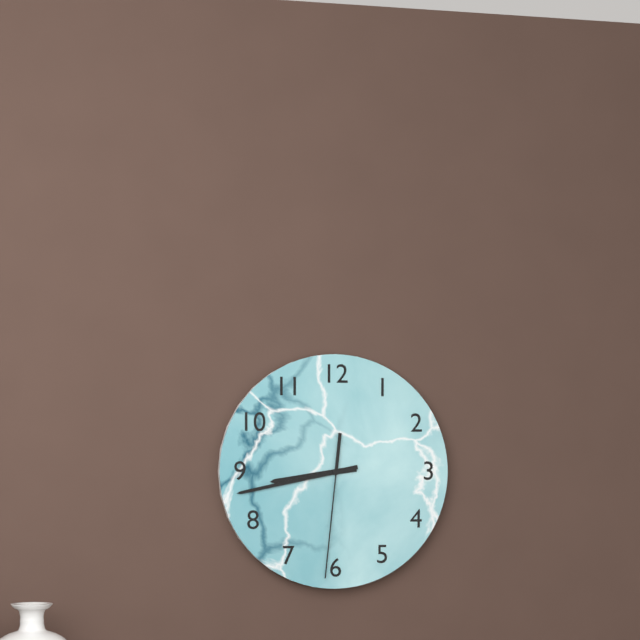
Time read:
8h43m31s
